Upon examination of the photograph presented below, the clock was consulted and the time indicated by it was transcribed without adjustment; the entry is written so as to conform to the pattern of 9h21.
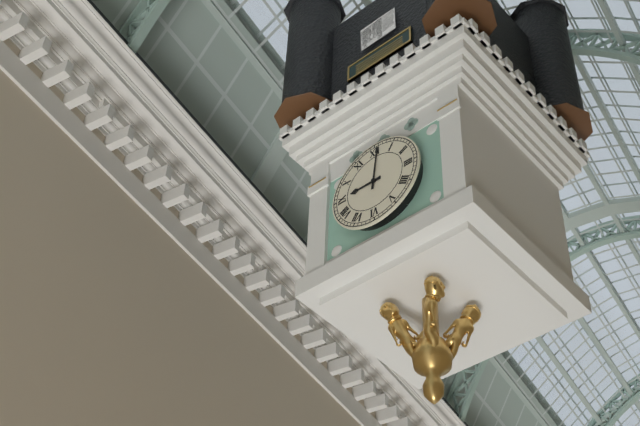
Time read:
9h01
